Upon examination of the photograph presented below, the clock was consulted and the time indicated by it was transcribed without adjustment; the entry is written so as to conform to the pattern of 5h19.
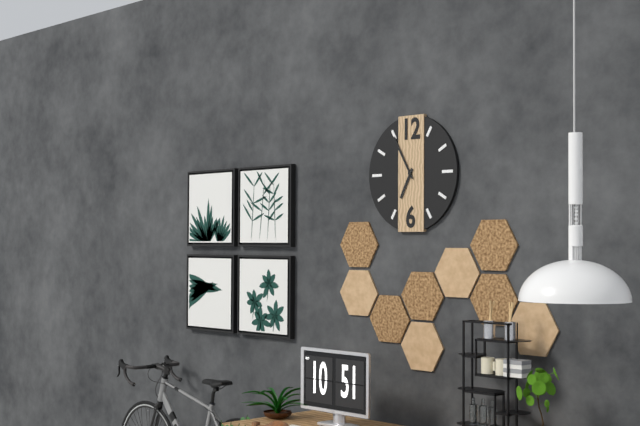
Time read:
6h55
